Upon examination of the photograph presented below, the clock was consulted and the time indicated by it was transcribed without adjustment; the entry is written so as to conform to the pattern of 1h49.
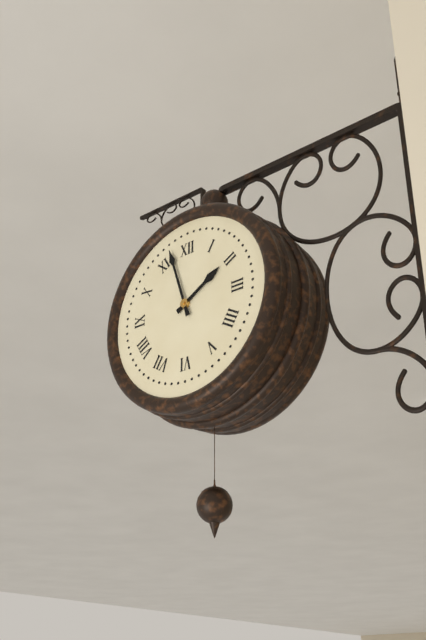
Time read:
1h57
